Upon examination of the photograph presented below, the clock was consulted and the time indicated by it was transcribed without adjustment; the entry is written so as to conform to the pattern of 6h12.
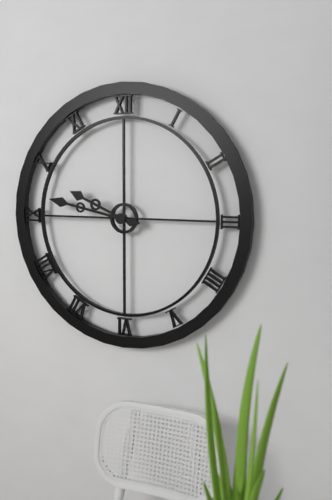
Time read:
9h47
